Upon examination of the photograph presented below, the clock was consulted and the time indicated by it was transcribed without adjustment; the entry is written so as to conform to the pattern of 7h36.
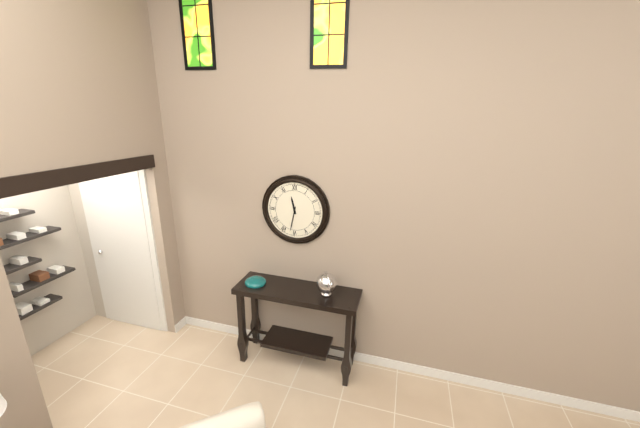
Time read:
11h32
